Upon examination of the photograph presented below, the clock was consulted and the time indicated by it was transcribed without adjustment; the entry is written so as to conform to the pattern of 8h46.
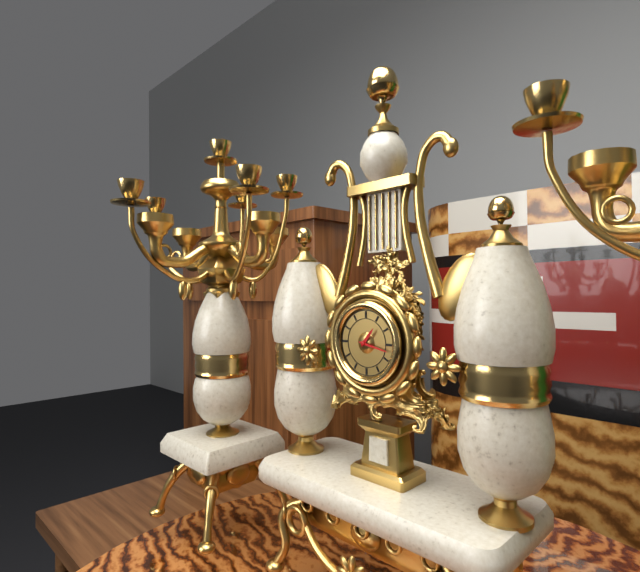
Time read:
1h17
